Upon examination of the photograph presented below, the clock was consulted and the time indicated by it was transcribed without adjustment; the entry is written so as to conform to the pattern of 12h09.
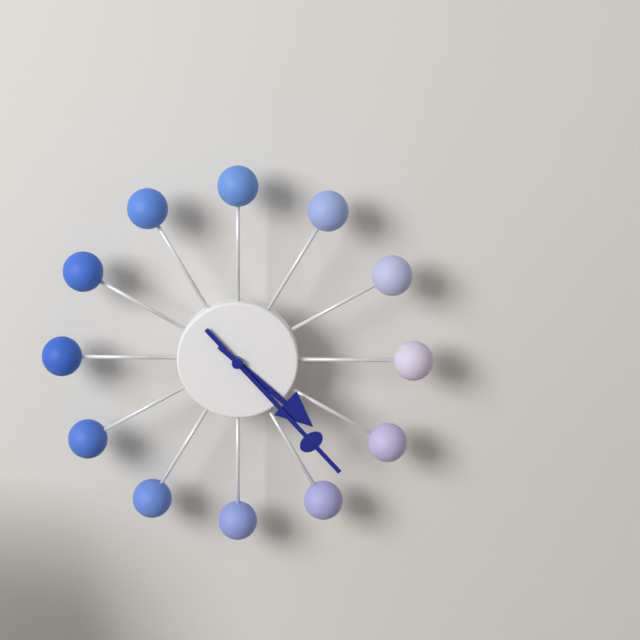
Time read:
4h23
